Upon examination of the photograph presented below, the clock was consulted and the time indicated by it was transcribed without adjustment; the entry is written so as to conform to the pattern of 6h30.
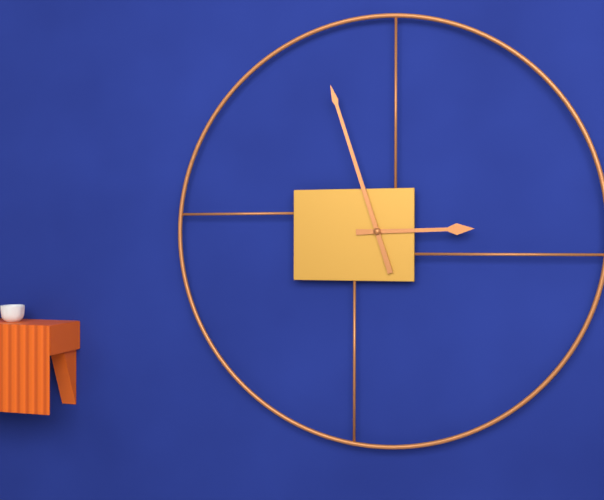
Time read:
2h57
